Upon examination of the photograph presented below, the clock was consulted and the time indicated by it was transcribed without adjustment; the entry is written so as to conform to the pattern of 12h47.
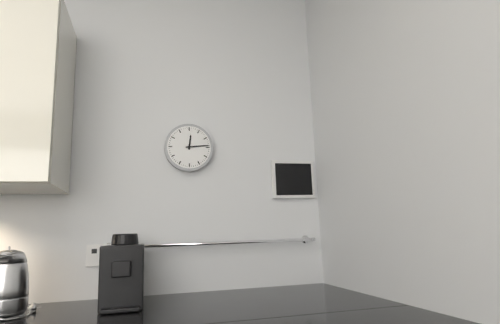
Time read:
12h14
